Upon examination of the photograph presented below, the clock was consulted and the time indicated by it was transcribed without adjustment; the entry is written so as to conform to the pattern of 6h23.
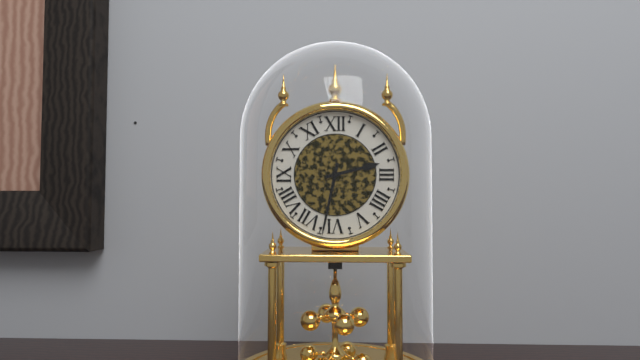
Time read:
2h32
